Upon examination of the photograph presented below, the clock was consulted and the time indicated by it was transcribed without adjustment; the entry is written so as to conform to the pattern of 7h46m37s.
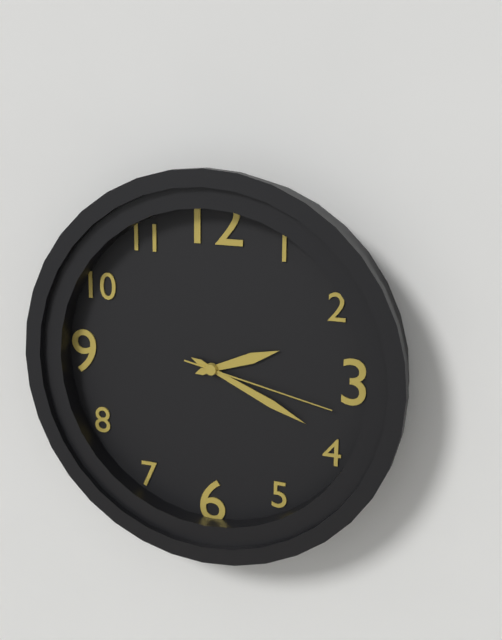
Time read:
2h19m17s
